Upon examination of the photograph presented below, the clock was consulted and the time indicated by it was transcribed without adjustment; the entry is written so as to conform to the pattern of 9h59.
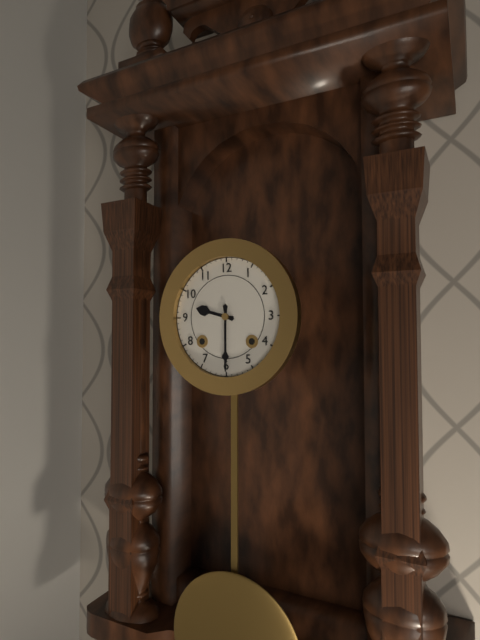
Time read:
9h30
